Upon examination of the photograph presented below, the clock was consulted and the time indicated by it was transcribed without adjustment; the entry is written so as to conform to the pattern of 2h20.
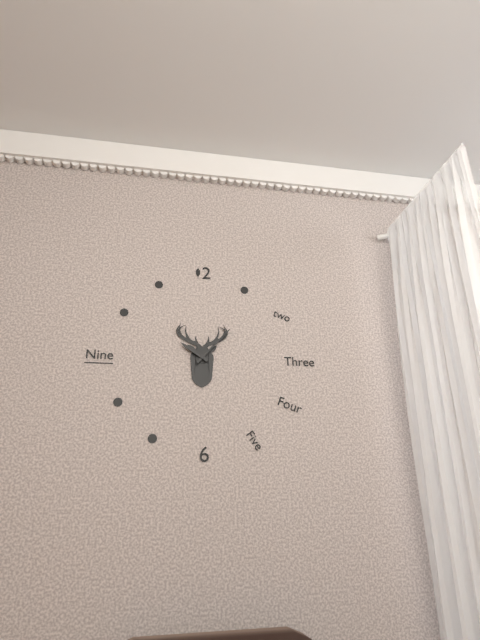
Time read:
10h07
